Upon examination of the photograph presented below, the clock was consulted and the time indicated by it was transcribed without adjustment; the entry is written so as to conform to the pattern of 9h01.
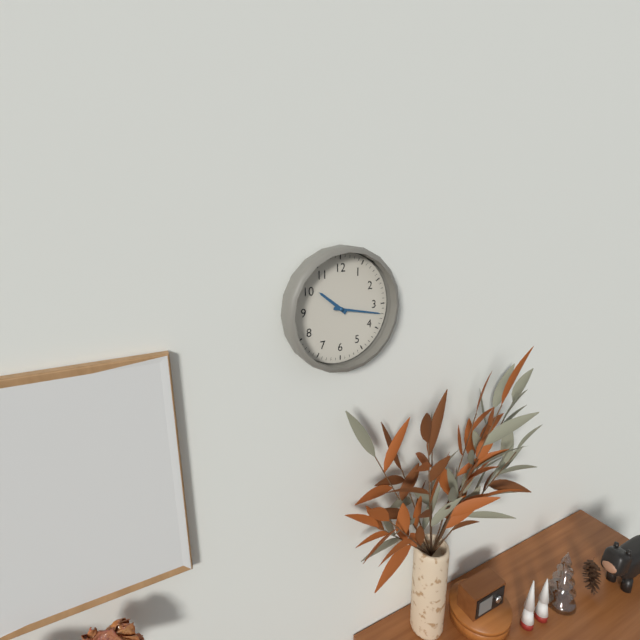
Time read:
10h17
